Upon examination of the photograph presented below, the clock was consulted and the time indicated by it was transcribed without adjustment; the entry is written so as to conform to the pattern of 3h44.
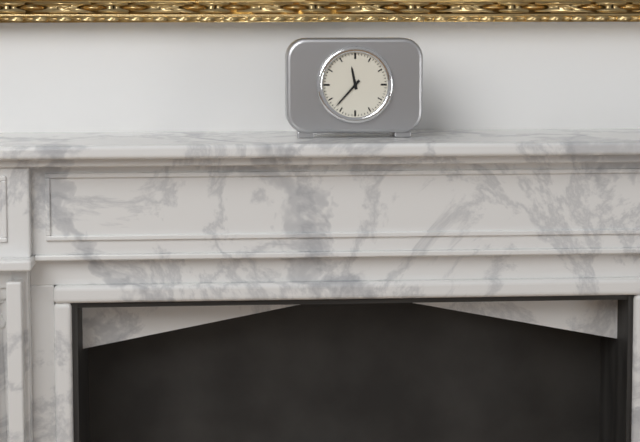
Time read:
11h37
